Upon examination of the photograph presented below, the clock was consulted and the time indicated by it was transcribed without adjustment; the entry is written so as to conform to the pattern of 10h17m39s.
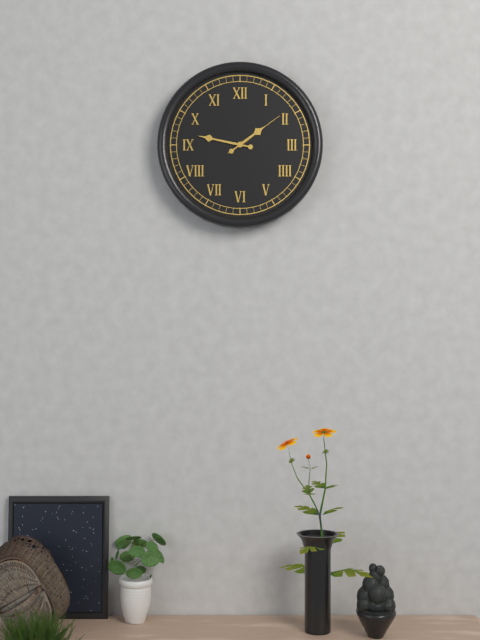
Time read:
1h47m09s
